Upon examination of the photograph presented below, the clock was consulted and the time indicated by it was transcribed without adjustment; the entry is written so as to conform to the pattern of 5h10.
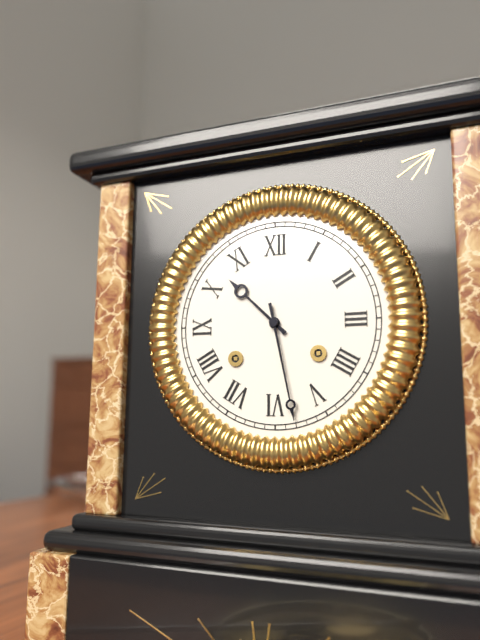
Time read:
10h28
